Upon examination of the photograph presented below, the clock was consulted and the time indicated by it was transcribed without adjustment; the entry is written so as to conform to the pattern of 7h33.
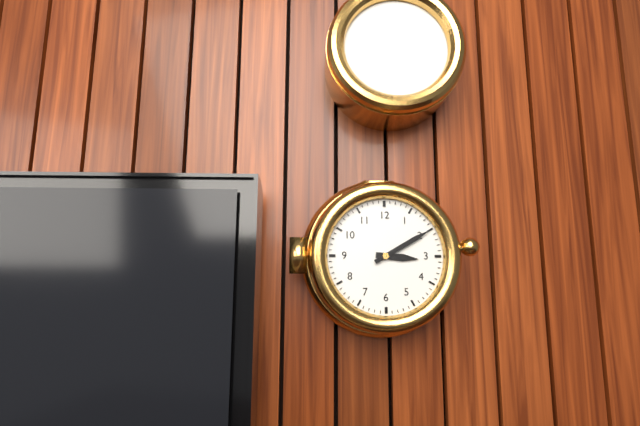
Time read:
3h10
